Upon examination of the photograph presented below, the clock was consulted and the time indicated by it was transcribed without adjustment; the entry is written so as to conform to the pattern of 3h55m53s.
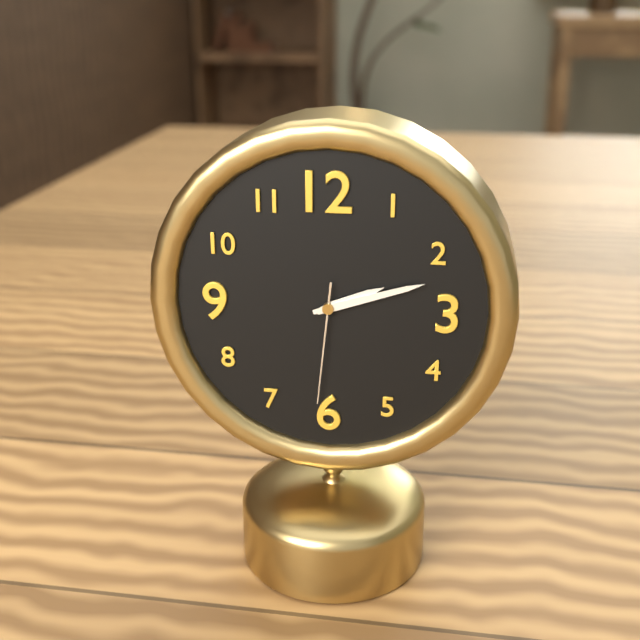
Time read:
2h12m31s
